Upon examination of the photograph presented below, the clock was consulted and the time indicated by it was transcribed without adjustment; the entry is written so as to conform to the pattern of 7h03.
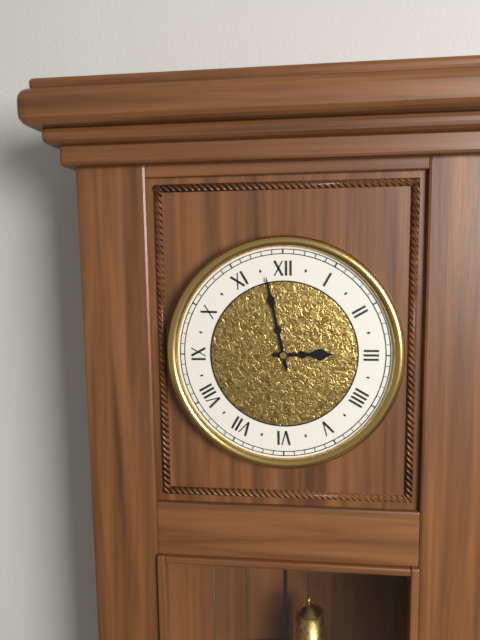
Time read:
2h58
